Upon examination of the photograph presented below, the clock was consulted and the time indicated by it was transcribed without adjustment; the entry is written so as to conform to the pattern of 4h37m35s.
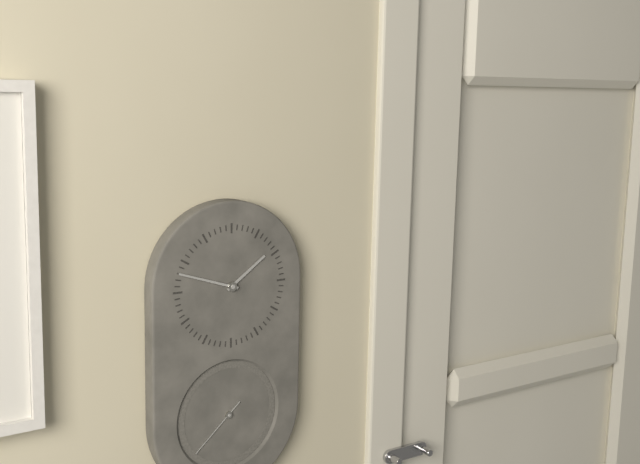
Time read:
1h48m38s
